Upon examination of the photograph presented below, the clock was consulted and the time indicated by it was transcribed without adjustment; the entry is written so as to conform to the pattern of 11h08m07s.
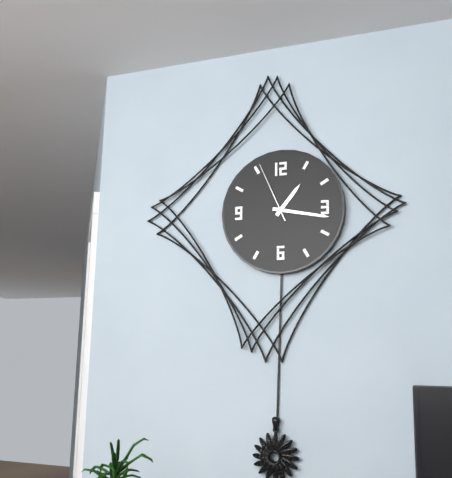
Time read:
1h17m56s
